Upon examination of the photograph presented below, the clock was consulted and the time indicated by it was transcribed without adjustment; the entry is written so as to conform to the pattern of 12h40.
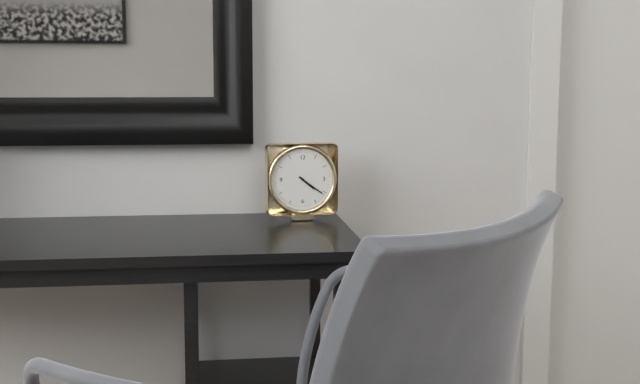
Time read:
4h21
